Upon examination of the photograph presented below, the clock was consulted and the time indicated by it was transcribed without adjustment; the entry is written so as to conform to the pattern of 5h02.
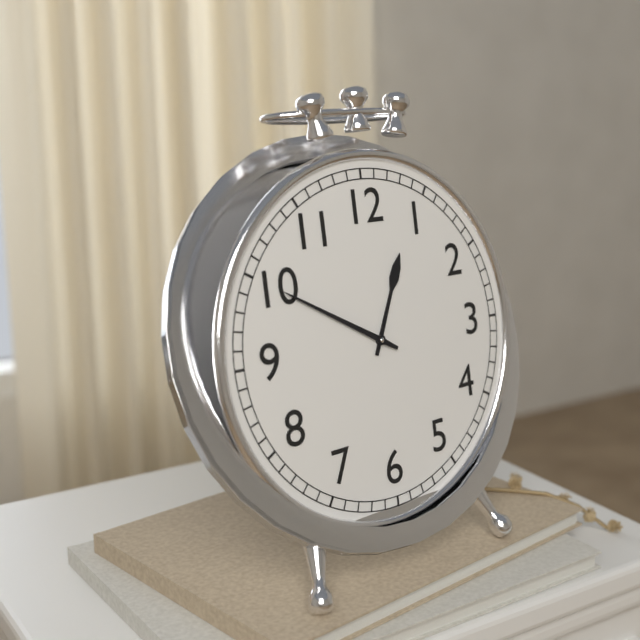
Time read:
12h50
